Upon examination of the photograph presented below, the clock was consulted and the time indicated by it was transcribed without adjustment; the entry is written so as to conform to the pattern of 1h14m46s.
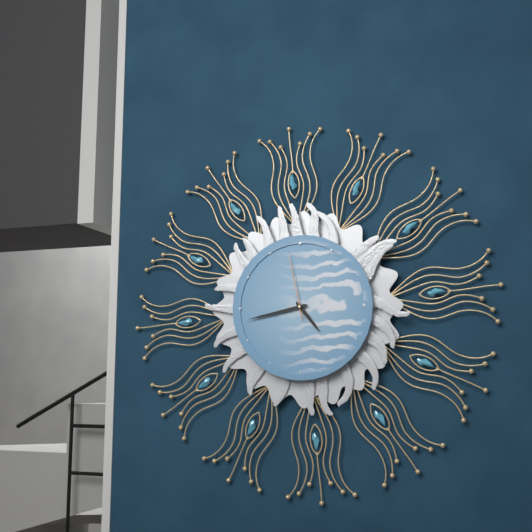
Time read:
4h43m58s
